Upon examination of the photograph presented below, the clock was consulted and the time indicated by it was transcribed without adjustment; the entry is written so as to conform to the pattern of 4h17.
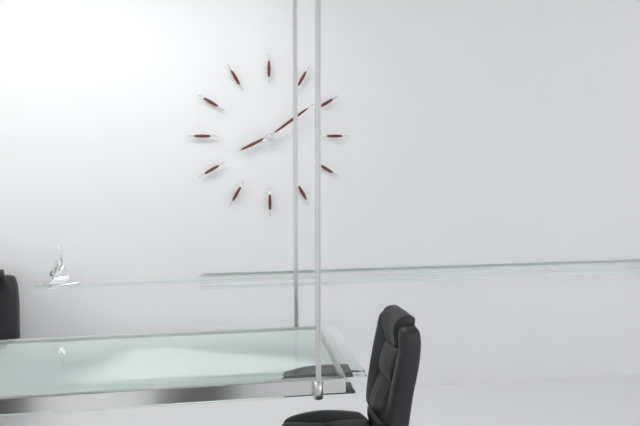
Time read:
8h09
